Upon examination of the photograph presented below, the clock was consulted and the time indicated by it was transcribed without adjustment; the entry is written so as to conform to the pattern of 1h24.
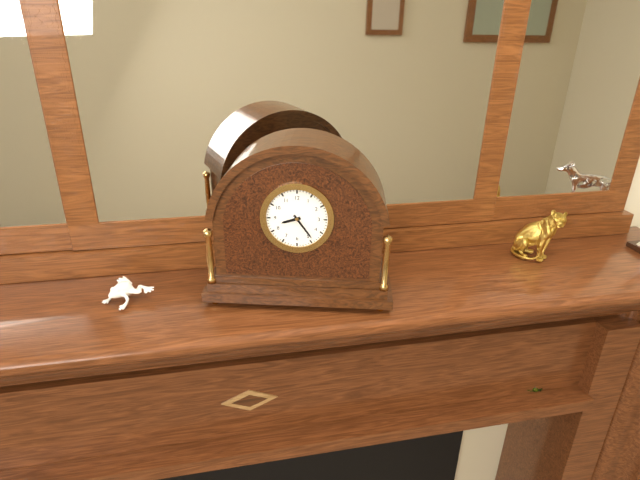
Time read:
8h24
